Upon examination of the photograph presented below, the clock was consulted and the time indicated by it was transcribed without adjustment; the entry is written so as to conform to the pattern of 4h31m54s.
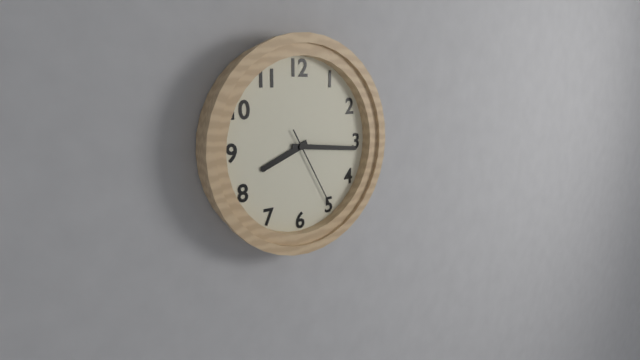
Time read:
8h16m25s
